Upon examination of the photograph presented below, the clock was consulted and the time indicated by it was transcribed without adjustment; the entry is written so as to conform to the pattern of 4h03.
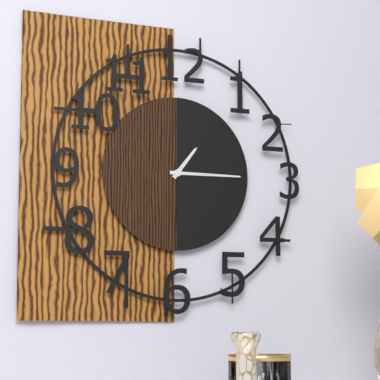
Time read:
1h15
